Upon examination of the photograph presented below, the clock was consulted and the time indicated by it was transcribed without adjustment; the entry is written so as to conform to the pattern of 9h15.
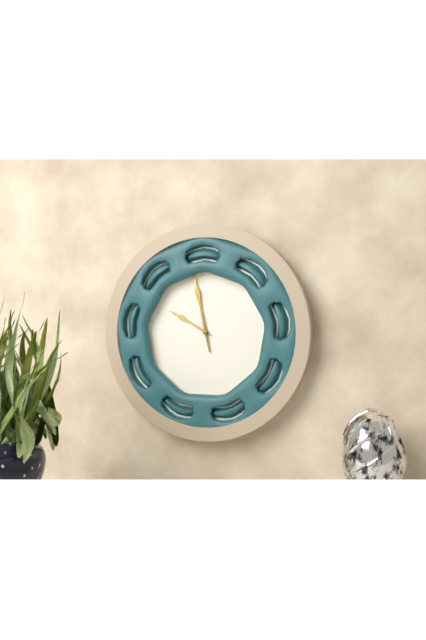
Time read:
9h58
